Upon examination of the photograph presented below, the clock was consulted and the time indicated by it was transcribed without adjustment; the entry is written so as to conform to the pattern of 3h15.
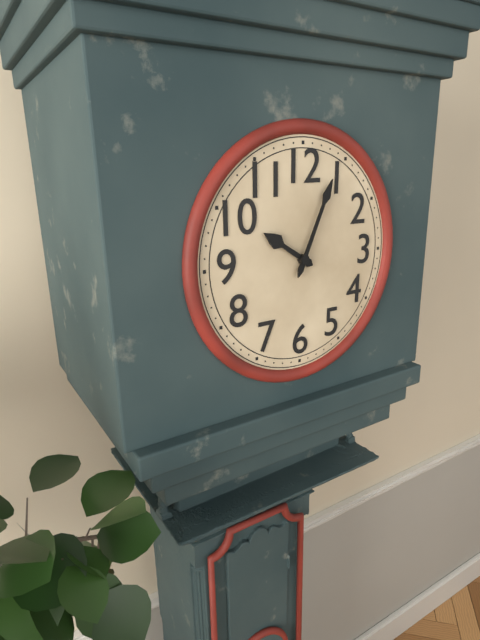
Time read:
10h04
